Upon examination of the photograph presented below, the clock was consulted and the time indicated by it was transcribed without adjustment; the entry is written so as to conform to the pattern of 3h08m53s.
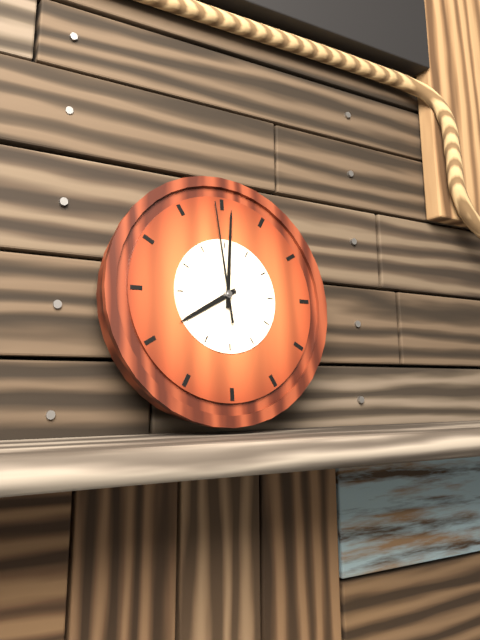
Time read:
8h01m59s
